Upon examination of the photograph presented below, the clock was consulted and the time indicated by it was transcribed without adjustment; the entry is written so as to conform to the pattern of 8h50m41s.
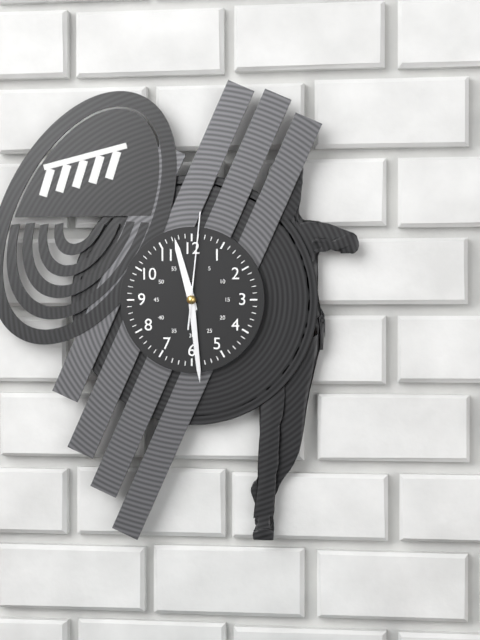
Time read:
11h29m01s
